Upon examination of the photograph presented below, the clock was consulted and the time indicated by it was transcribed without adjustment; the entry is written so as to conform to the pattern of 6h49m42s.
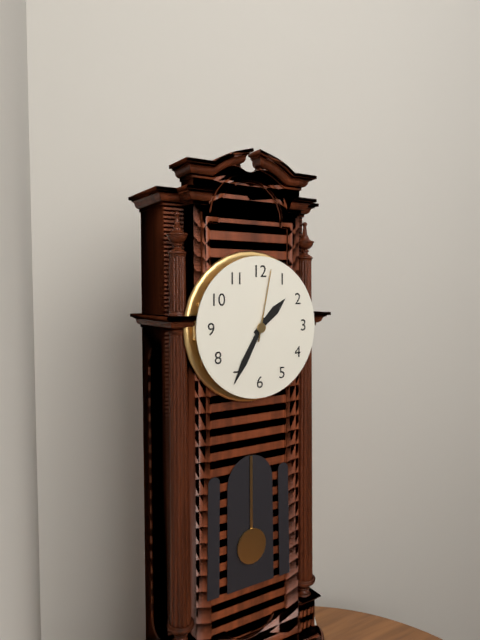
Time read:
1h35m02s
